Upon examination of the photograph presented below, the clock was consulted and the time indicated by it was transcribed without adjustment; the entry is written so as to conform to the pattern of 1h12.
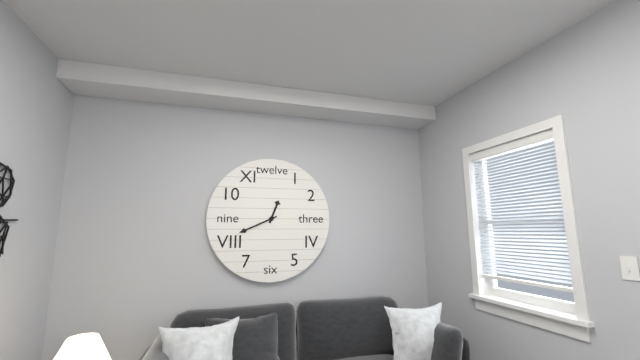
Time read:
12h41
